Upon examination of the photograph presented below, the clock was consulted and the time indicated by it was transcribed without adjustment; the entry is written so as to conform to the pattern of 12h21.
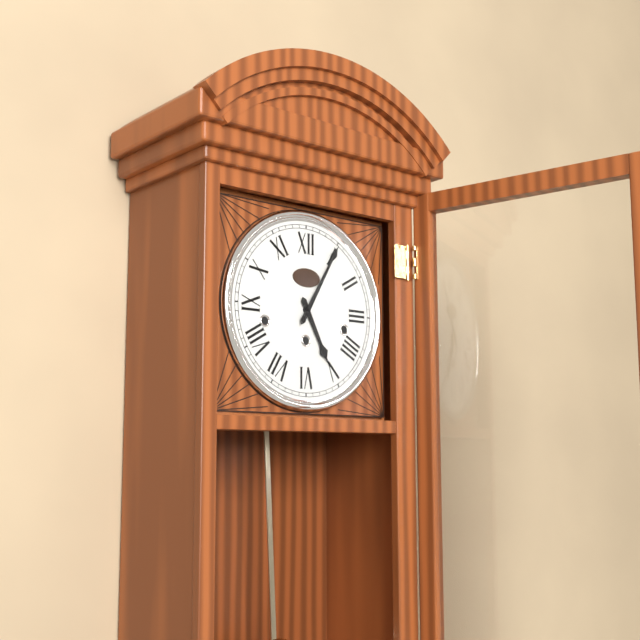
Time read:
5h05
